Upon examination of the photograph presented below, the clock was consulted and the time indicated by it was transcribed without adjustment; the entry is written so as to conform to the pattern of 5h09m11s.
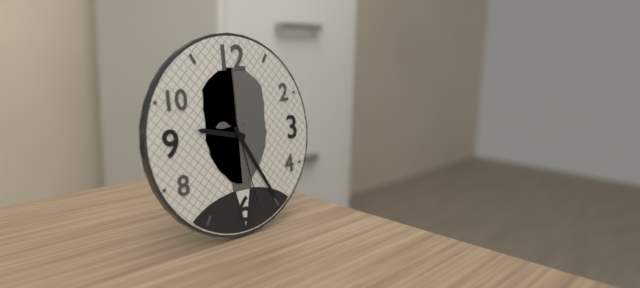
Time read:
9h25m28s
